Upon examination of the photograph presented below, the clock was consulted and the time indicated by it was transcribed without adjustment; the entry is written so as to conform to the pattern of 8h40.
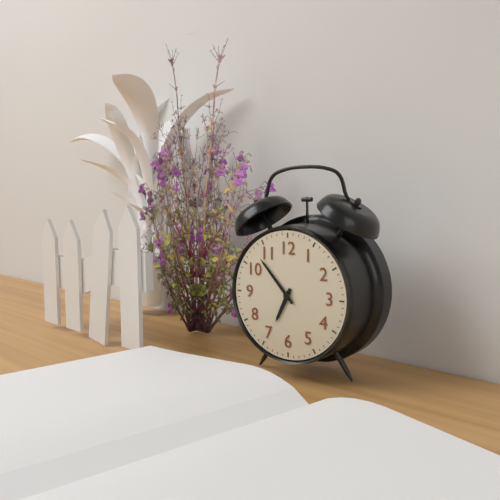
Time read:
6h53
